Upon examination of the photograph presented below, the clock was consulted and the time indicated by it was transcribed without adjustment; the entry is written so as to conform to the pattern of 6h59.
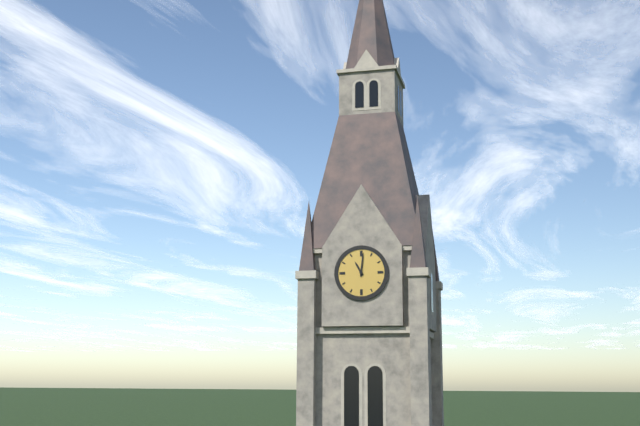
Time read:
11h01
